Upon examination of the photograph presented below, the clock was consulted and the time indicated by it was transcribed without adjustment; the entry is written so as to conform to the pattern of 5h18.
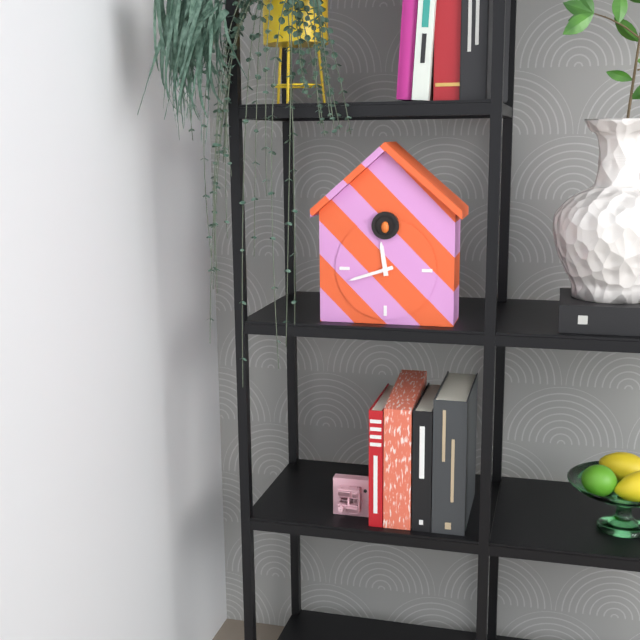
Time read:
11h42
